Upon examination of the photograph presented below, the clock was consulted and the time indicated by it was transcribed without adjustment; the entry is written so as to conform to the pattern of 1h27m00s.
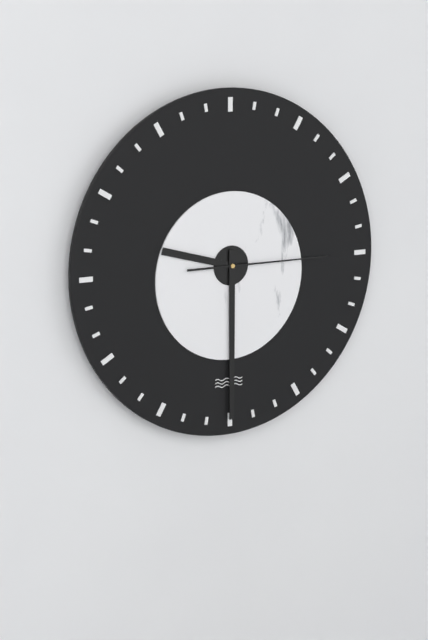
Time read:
9h30m15s
